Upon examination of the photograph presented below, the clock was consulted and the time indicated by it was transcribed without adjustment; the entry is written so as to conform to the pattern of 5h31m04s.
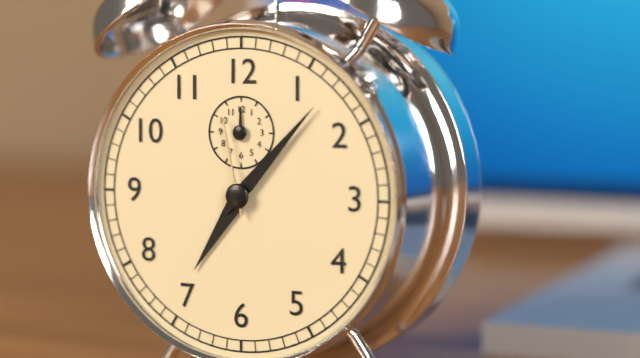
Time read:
7h07m58s
